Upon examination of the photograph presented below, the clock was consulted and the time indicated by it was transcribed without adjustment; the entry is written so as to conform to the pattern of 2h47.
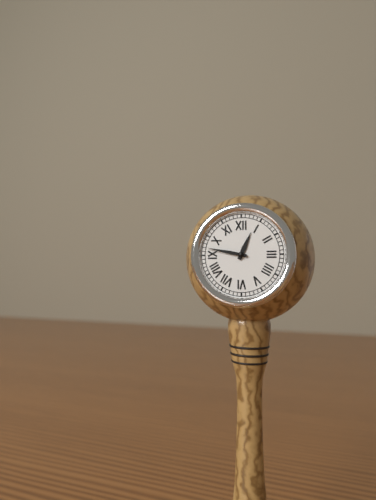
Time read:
12h47
